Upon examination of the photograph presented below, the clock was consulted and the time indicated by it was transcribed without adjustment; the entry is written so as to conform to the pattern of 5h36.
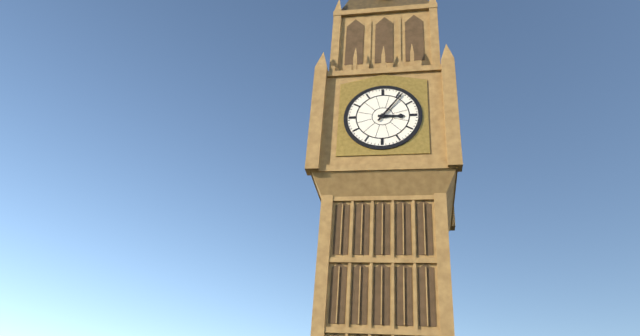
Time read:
3h06
